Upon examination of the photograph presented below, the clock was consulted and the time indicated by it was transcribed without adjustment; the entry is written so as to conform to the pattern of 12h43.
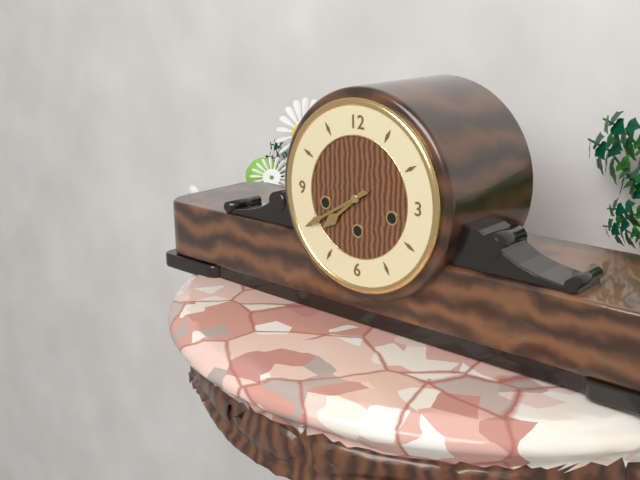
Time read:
7h40
